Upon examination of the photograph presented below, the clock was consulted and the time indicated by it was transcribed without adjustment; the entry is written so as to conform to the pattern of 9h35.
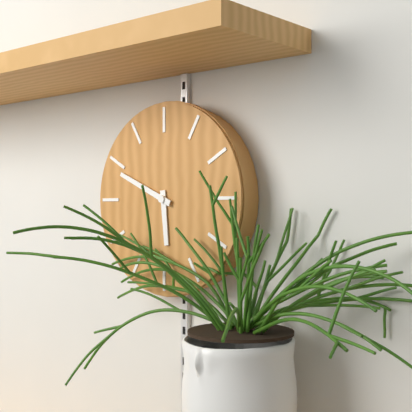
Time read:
5h49
